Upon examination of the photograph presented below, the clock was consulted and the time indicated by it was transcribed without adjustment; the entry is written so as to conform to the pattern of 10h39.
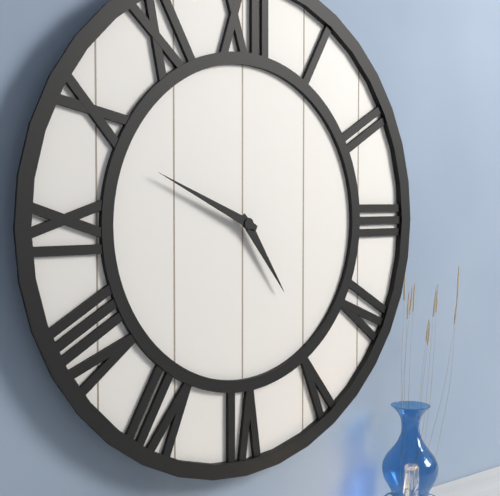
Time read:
4h49
